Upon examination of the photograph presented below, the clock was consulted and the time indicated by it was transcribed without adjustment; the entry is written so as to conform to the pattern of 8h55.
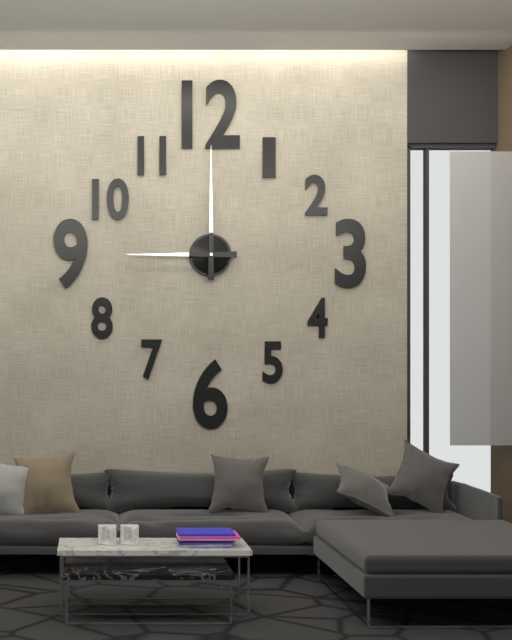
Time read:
9h00
